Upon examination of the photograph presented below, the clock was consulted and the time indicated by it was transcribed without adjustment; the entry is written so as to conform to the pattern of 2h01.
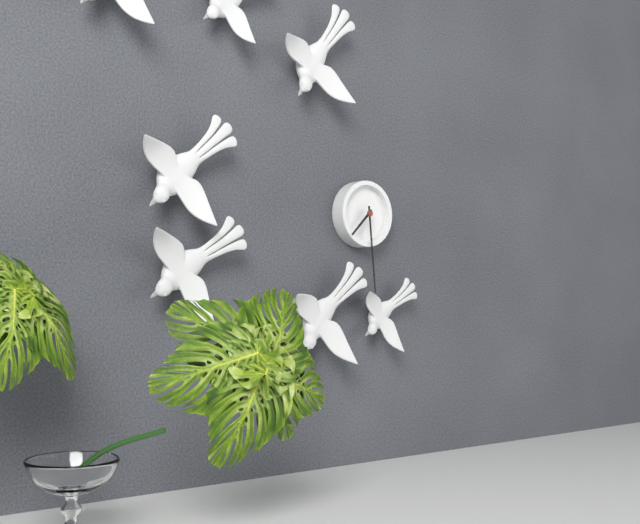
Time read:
7h29
